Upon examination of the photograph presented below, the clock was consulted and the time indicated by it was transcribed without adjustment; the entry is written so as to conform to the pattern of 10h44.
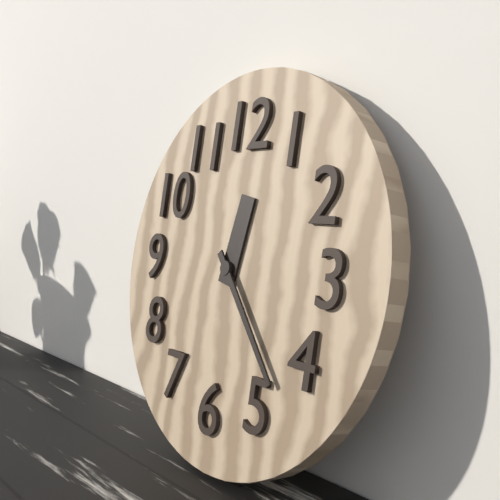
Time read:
12h23
